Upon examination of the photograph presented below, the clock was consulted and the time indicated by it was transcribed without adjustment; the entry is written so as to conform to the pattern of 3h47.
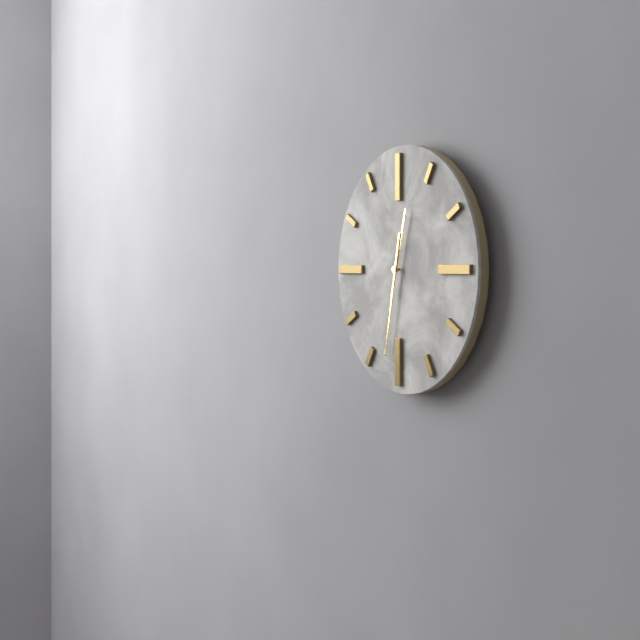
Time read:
12h32
